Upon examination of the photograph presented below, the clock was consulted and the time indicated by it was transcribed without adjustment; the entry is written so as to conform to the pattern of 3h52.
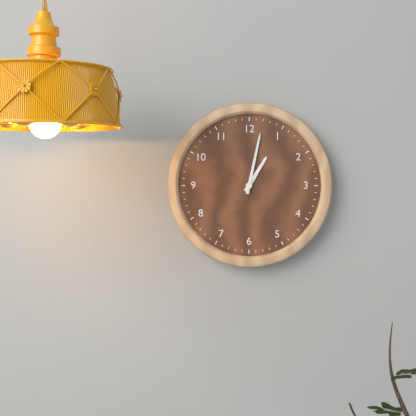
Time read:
1h02
